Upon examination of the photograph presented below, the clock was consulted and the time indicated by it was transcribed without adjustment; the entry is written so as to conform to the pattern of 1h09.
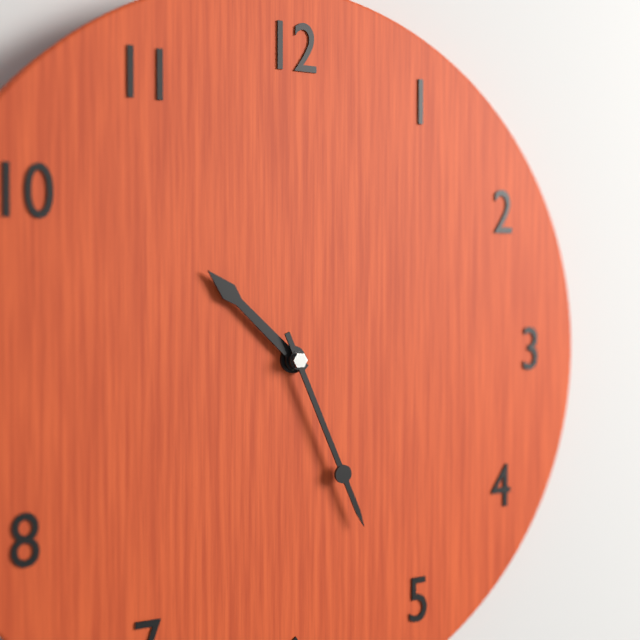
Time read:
10h26
